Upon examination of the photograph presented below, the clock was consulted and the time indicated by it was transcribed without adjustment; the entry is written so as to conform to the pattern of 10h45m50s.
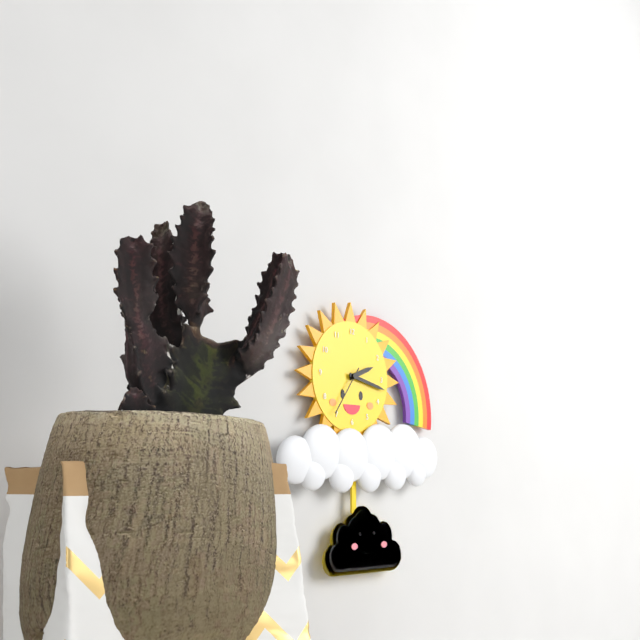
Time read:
2h17m36s
